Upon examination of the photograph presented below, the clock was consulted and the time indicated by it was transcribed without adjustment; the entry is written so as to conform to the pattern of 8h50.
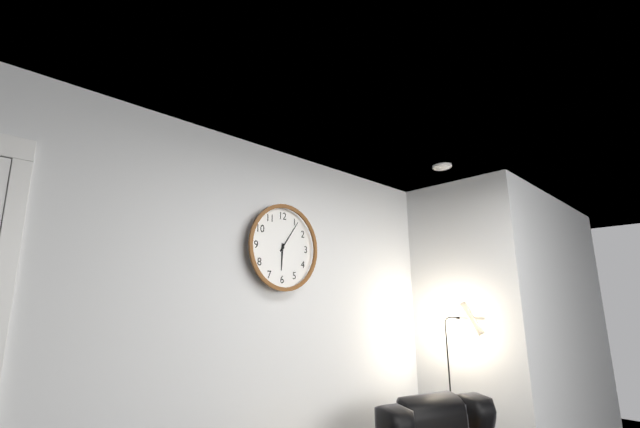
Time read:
6h06
